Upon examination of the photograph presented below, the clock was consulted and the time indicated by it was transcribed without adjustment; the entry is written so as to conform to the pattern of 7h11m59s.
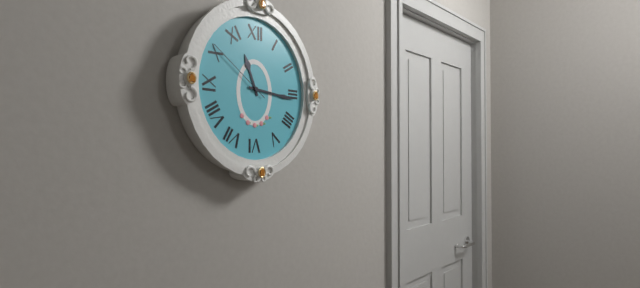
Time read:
11h16m51s
